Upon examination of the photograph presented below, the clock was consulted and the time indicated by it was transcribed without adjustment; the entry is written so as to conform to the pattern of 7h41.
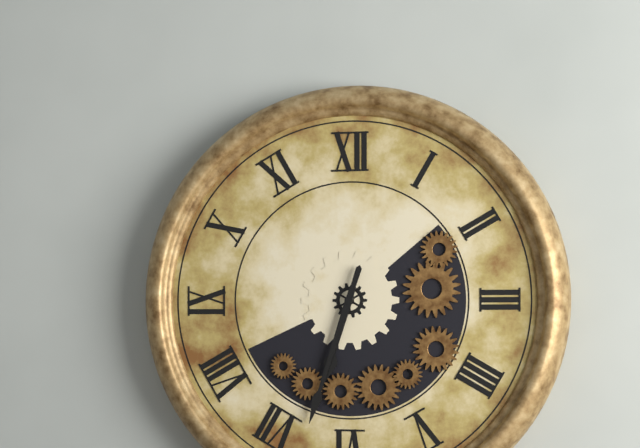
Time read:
6h33
